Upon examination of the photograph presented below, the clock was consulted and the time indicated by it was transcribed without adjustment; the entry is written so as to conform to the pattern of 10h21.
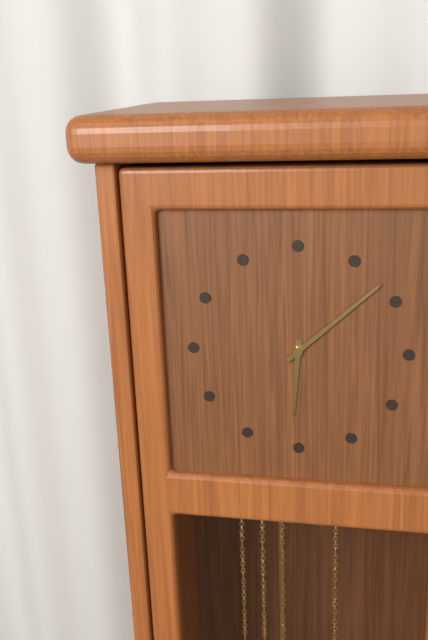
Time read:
6h08
